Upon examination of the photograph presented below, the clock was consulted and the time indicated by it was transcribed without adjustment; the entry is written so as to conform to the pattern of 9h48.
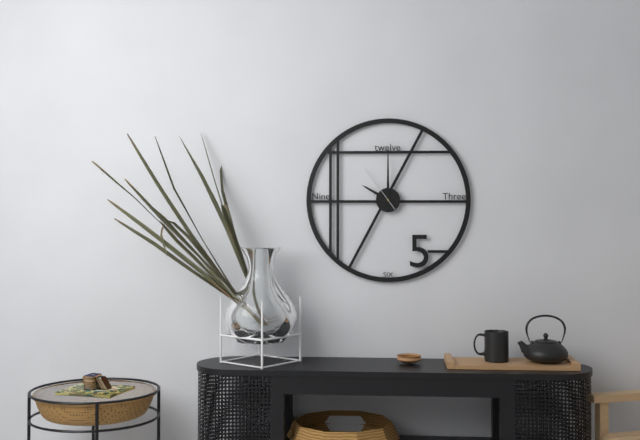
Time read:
10h00
